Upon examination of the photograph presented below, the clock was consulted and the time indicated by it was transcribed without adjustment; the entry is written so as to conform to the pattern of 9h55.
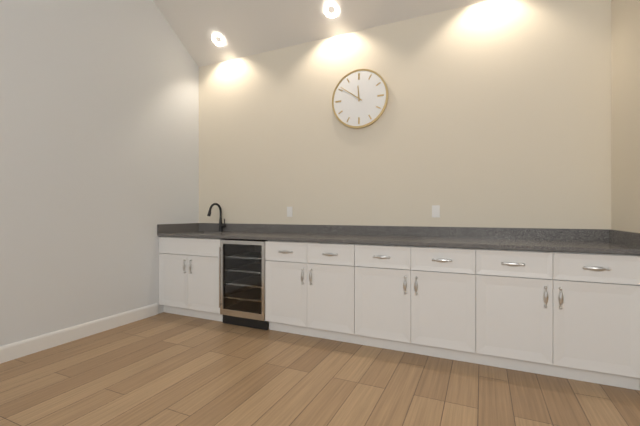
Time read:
11h51
